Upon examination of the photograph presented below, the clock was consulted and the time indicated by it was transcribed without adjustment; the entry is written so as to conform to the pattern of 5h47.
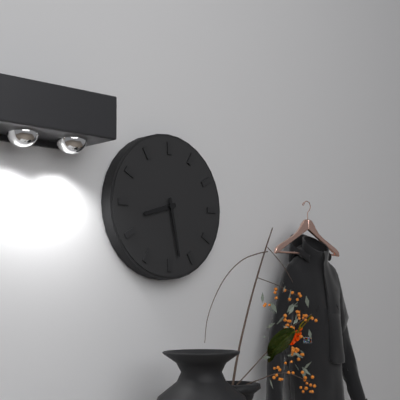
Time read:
8h28
